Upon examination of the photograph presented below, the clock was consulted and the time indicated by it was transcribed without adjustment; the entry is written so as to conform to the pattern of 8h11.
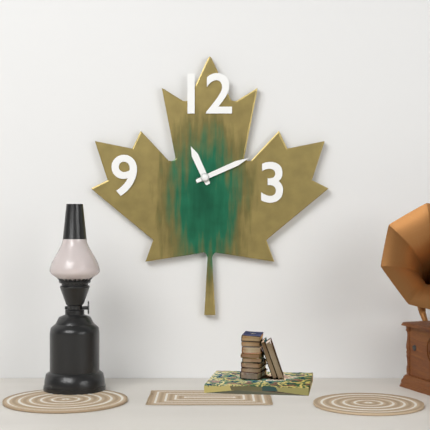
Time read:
11h11
